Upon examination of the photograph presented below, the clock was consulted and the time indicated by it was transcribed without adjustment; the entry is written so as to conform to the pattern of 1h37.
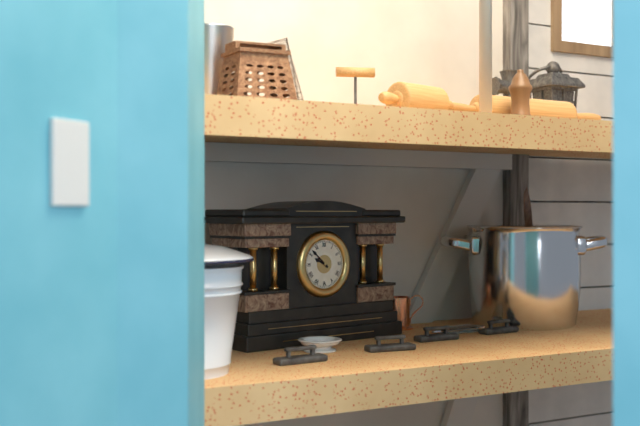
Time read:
9h52
